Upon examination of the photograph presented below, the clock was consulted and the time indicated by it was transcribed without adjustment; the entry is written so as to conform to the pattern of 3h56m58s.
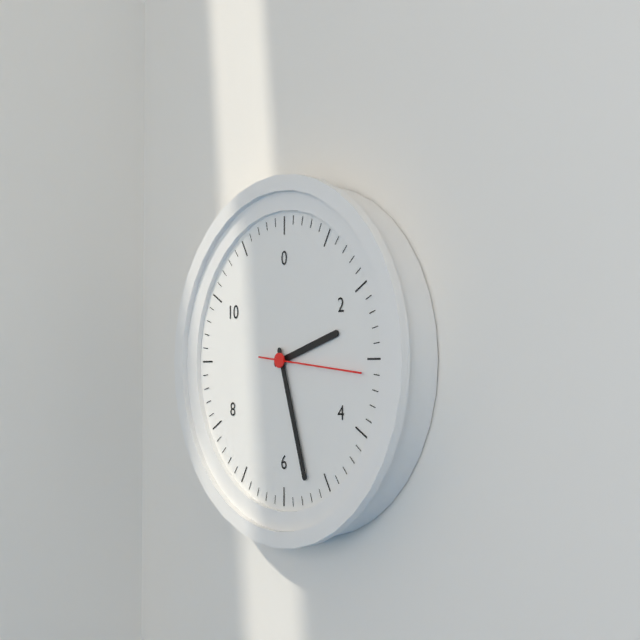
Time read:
2h27m16s
